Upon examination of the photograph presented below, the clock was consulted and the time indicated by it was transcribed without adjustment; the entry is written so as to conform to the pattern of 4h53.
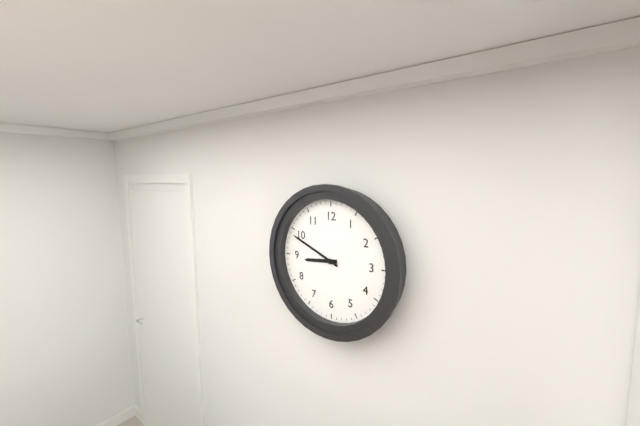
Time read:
8h49
